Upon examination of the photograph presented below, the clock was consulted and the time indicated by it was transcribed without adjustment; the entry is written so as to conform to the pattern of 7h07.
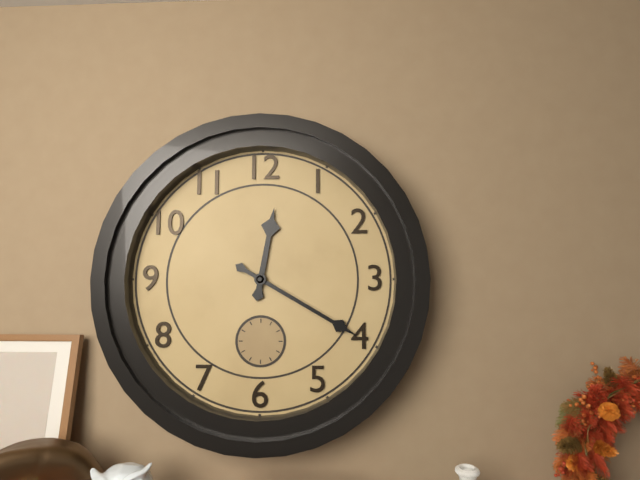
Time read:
12h20
